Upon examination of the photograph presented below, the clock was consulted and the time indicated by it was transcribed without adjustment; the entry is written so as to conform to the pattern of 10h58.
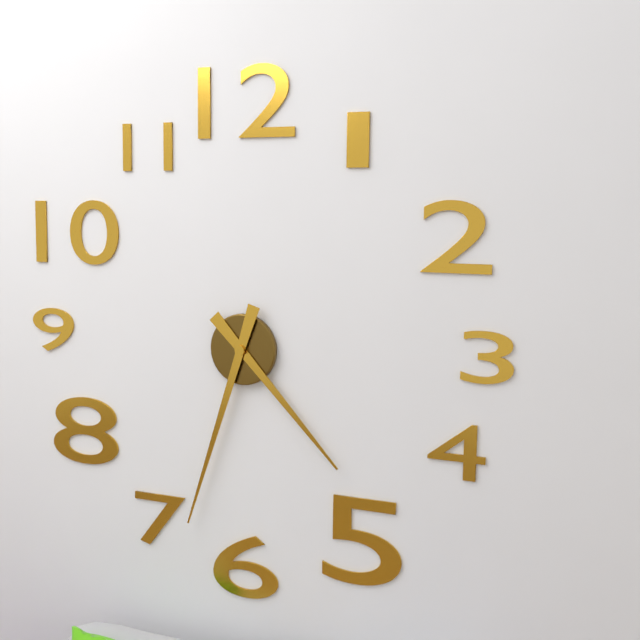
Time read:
4h33
